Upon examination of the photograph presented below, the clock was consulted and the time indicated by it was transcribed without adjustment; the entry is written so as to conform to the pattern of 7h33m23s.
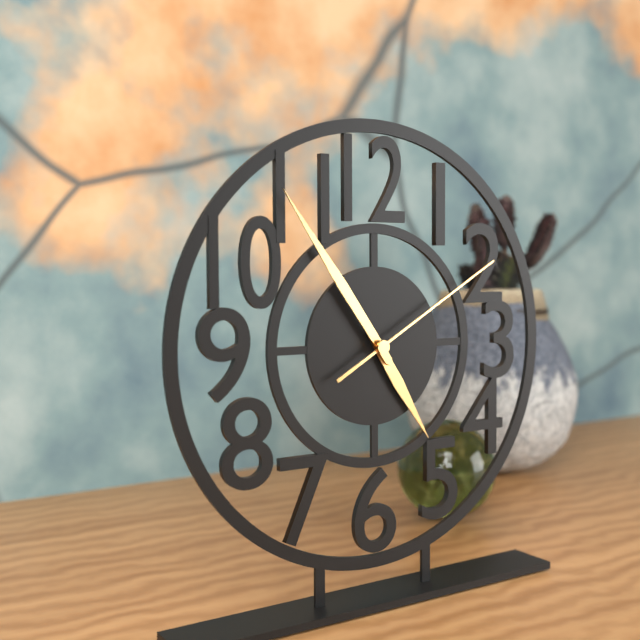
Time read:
4h54m10s
